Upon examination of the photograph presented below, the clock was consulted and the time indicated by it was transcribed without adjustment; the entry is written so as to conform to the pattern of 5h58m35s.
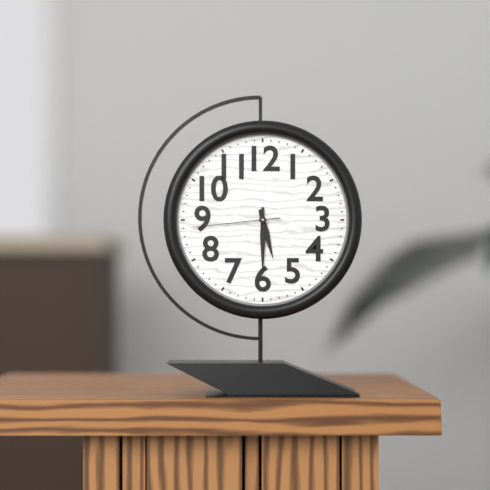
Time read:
5h30m44s
